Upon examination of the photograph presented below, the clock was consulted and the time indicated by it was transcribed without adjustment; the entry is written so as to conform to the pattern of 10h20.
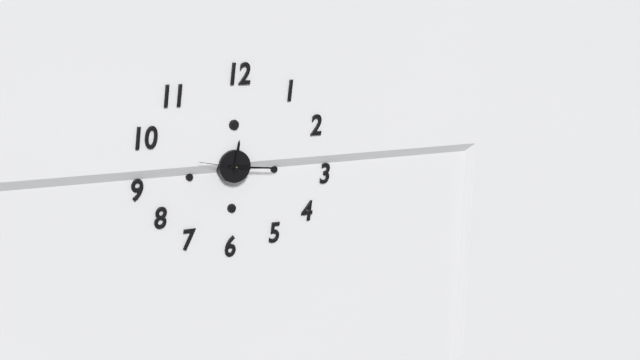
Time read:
12h16
